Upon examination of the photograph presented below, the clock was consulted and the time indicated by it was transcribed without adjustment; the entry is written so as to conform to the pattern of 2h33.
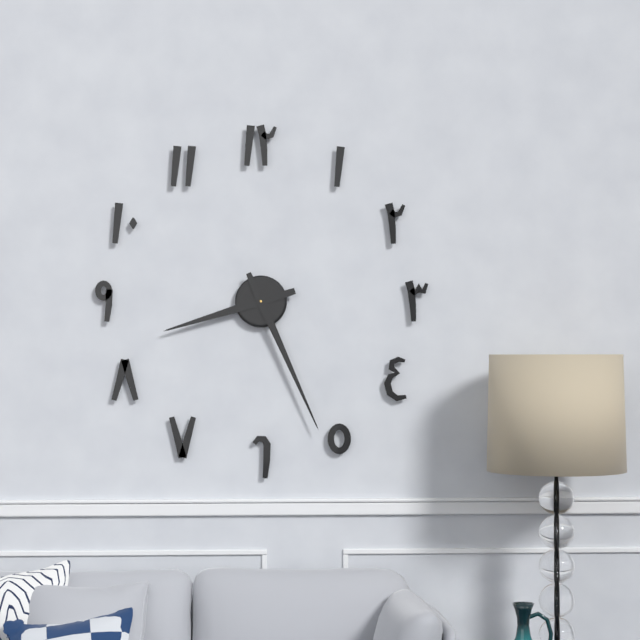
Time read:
8h26
